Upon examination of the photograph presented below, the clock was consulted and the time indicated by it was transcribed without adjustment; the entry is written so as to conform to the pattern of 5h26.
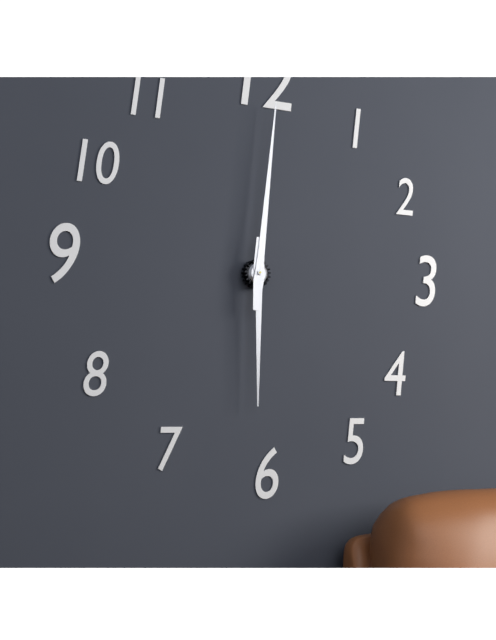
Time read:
6h01
